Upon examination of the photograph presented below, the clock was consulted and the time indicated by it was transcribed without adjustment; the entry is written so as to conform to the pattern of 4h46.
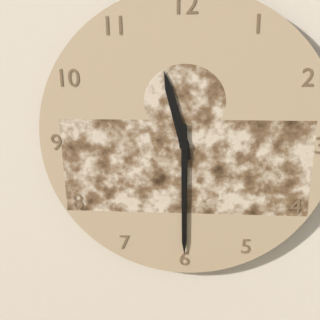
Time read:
11h30
